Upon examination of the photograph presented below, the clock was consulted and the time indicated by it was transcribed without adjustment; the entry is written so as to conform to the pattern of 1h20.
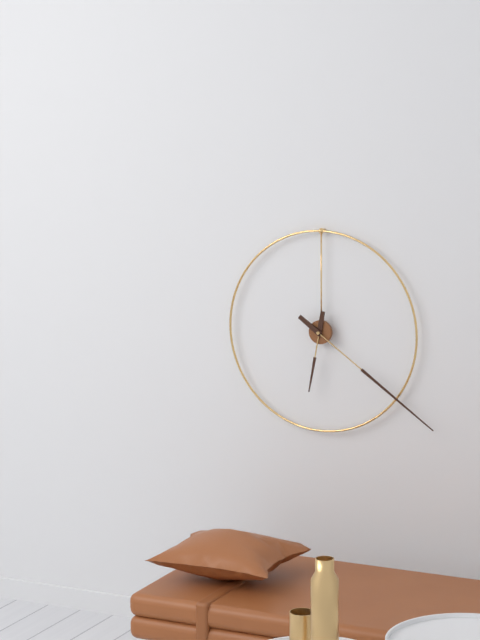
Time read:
6h21
